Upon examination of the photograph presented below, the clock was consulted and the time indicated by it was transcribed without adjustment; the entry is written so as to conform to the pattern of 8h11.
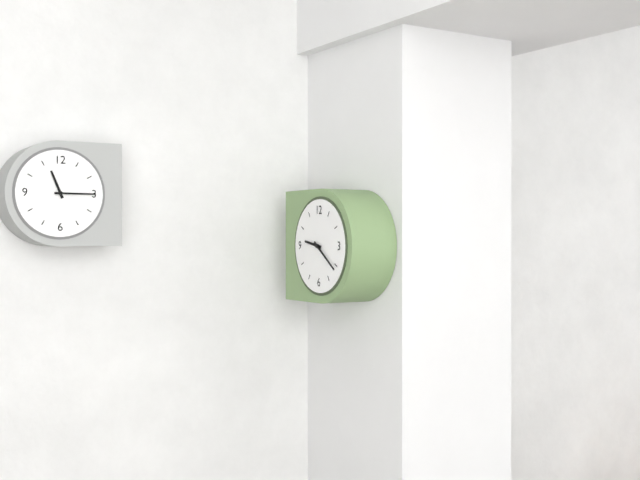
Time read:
9h21
